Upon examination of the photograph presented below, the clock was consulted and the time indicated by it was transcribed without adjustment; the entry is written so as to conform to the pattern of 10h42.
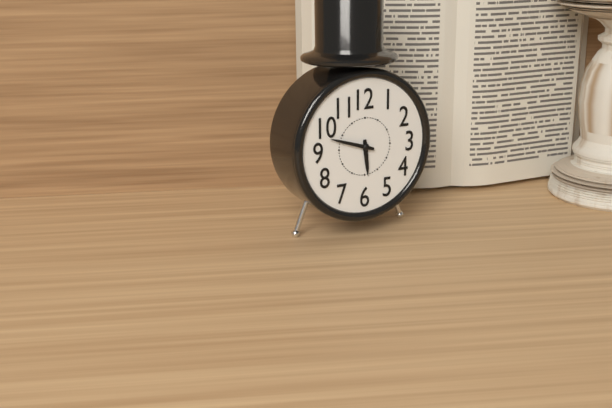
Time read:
5h48
